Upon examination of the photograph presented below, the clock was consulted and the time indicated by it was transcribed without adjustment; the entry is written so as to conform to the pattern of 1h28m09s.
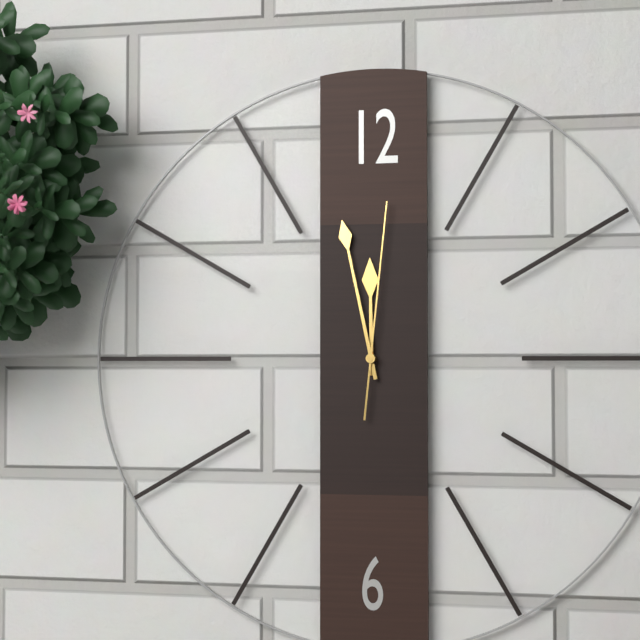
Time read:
11h58m01s
